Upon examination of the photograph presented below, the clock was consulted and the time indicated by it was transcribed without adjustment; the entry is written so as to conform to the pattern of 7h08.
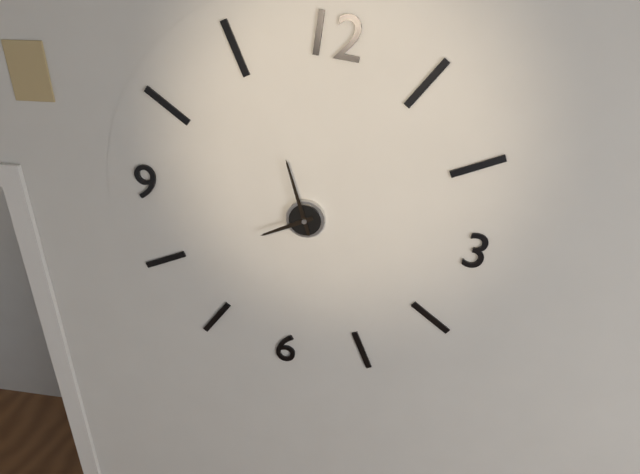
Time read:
7h56
